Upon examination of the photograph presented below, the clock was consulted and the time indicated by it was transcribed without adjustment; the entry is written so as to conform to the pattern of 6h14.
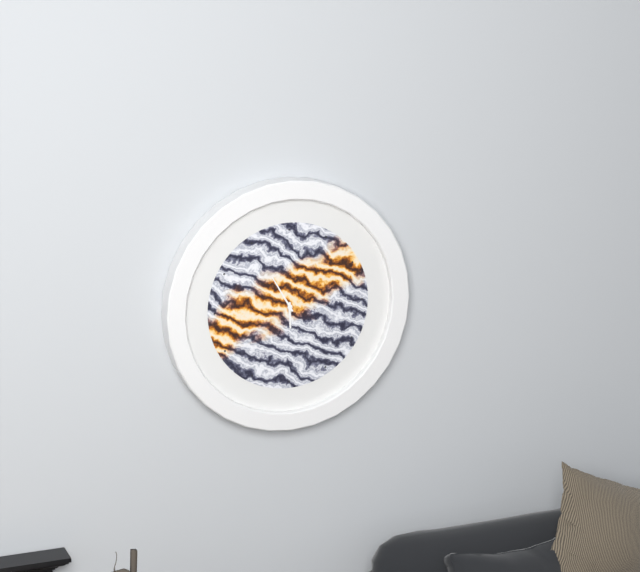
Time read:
5h55
